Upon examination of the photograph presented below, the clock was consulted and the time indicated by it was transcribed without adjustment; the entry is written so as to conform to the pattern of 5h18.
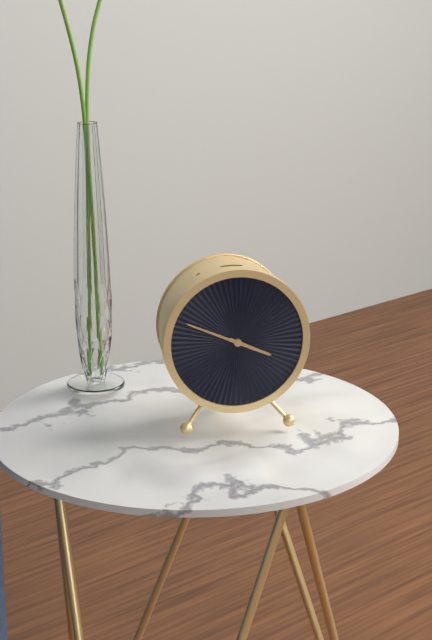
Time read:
3h49
